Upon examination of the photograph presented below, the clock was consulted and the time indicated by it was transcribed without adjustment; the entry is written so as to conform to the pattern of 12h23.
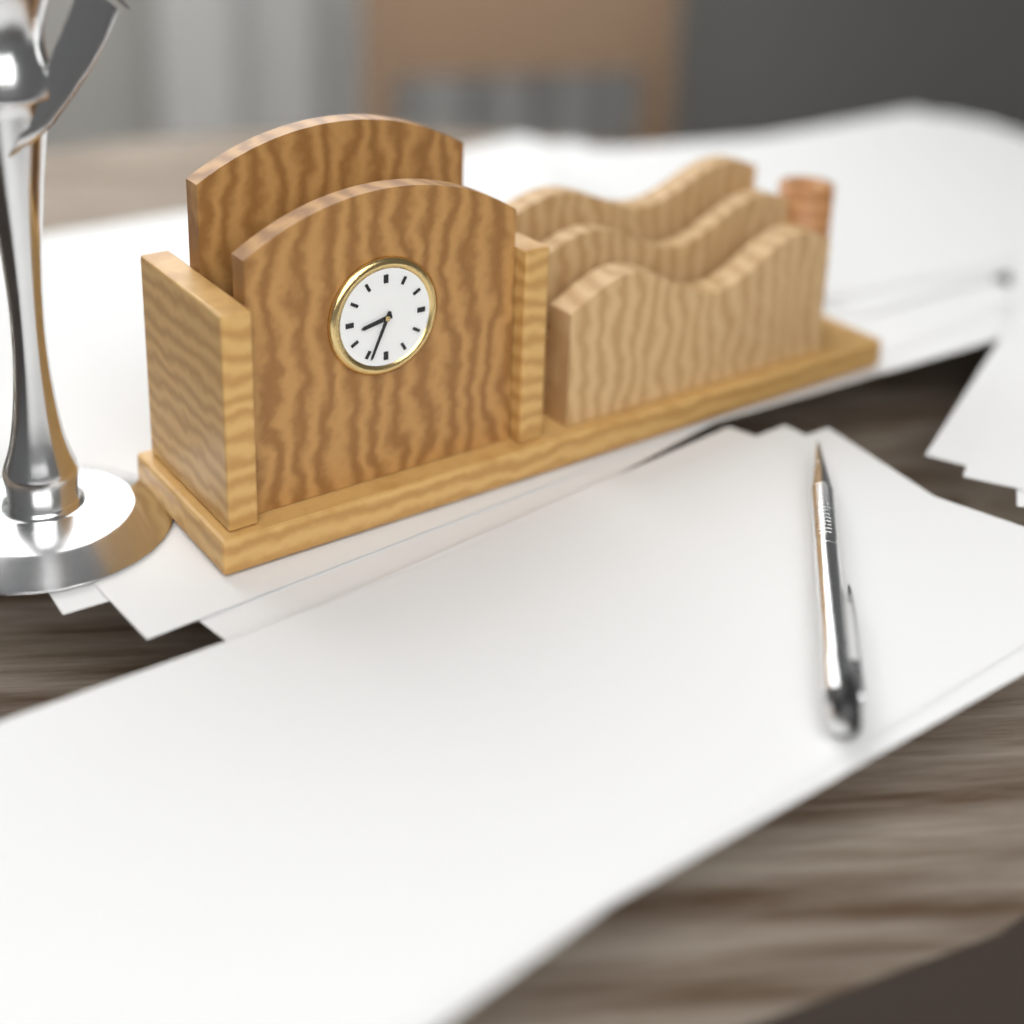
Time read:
8h34
